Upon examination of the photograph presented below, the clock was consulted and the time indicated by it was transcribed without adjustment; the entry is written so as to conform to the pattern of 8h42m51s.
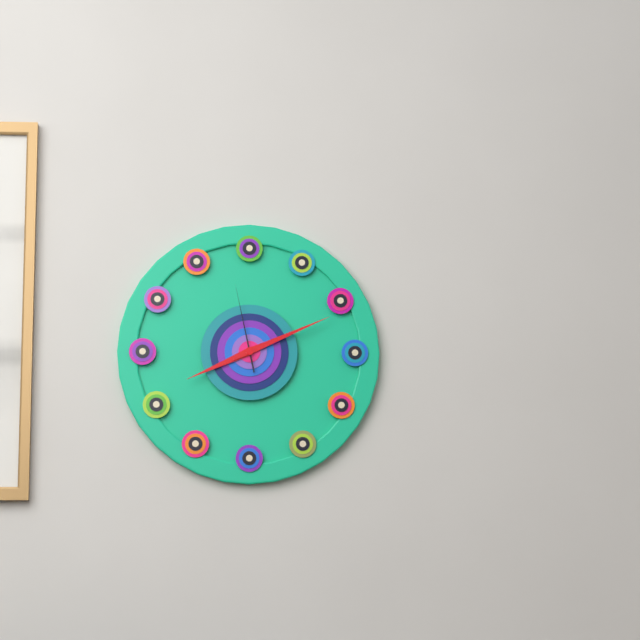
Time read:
8h11m58s
